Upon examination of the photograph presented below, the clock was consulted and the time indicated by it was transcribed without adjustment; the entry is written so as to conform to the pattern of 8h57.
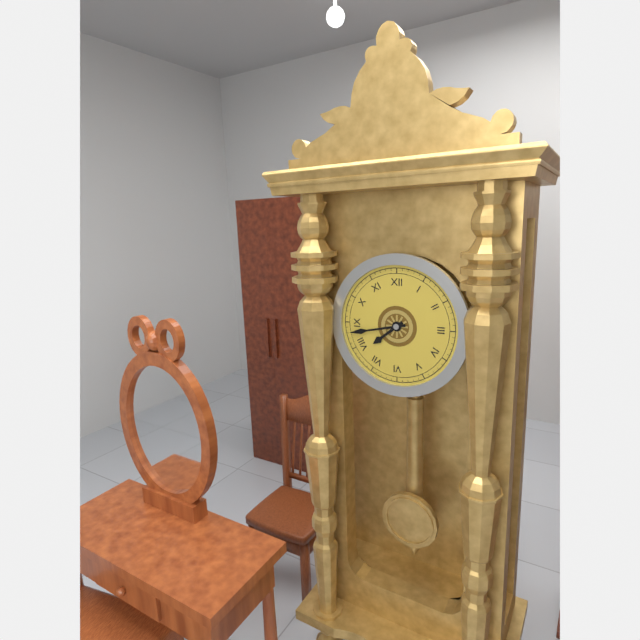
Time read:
7h43
